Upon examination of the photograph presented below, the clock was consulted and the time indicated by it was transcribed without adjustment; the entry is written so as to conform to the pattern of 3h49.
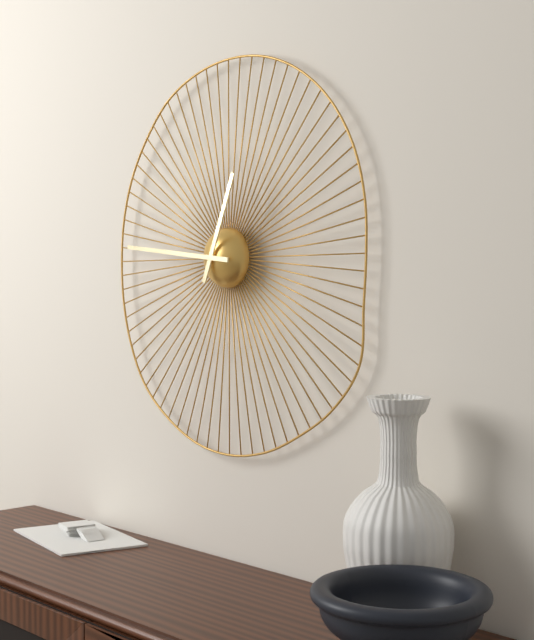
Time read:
12h46
